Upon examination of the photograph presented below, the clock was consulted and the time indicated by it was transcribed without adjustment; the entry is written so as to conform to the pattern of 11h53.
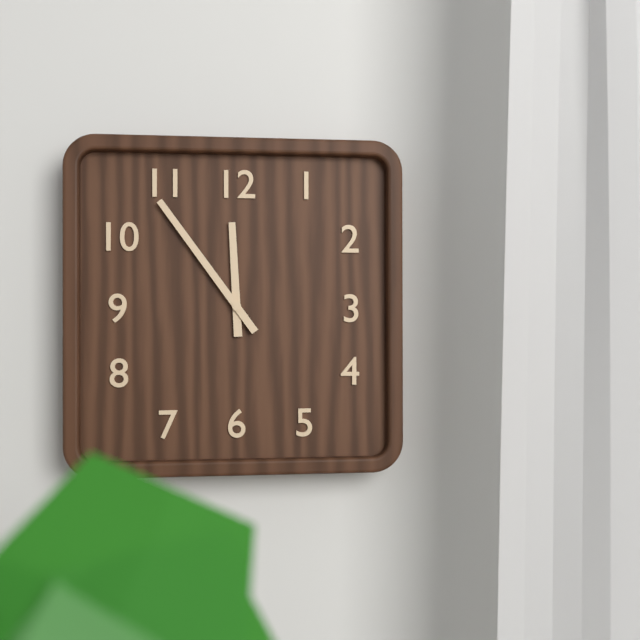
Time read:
11h54
